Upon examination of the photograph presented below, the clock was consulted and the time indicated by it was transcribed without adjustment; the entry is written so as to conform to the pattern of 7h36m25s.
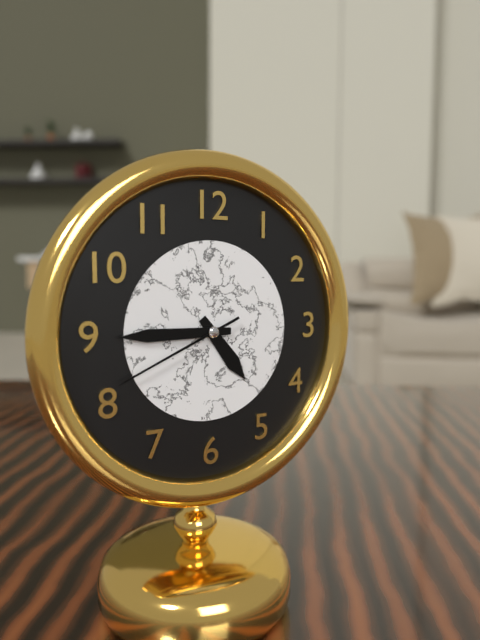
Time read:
4h45m41s
